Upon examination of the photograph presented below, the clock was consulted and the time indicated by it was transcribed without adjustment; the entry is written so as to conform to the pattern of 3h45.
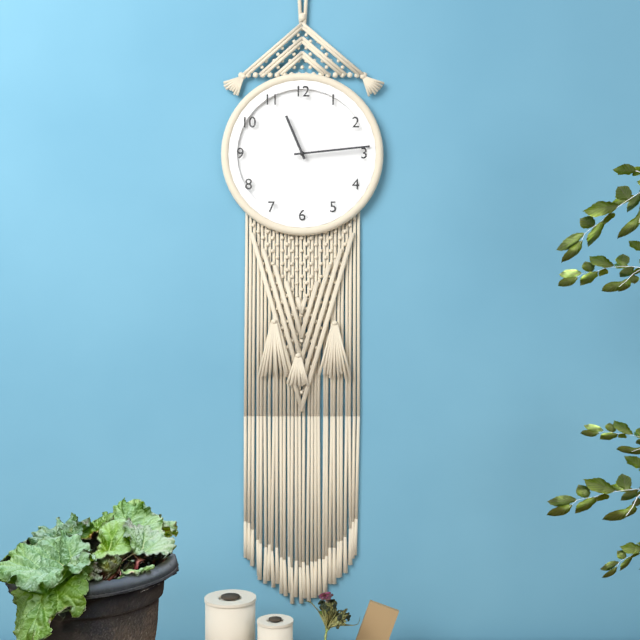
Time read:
11h14
